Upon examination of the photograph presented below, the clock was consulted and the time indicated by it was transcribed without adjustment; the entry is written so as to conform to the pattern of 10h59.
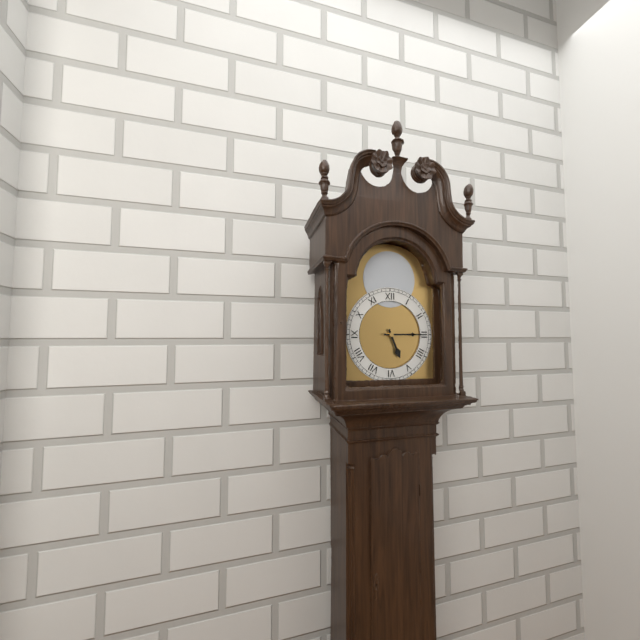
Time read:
5h15
